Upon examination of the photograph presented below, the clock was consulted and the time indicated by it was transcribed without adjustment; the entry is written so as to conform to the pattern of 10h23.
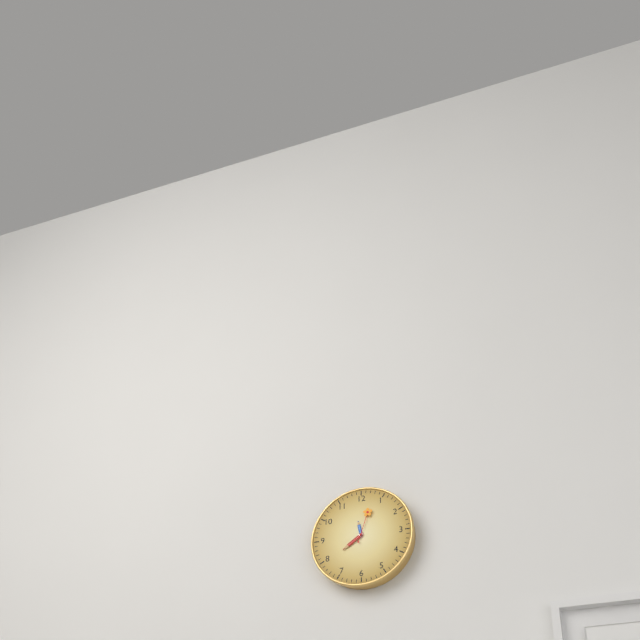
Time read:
11h39
